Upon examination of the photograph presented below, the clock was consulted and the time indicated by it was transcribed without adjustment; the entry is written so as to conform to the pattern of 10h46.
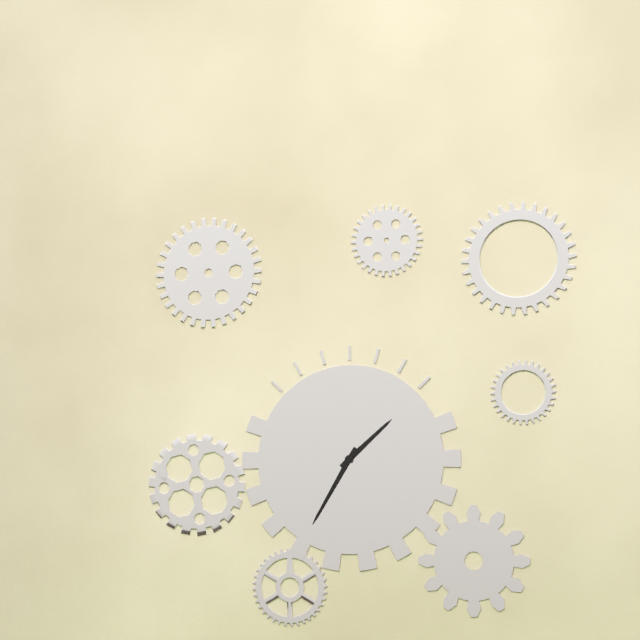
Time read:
1h35
